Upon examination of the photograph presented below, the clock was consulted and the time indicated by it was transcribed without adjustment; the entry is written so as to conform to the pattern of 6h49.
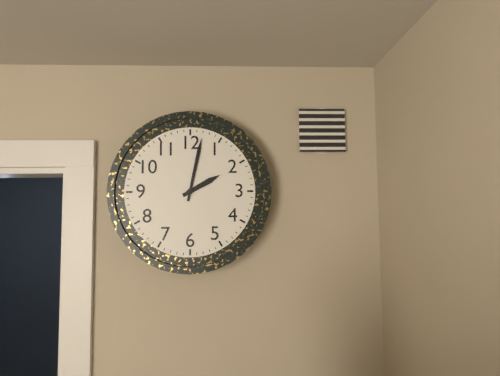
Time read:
2h02
